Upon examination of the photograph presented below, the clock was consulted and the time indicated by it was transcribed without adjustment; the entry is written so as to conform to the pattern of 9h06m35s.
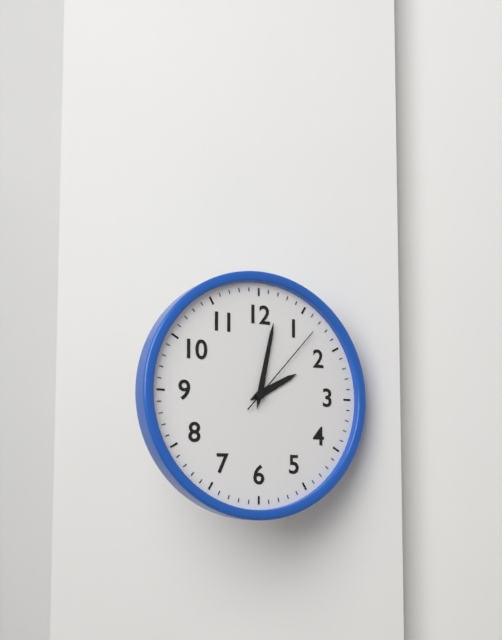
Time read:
2h02m07s
